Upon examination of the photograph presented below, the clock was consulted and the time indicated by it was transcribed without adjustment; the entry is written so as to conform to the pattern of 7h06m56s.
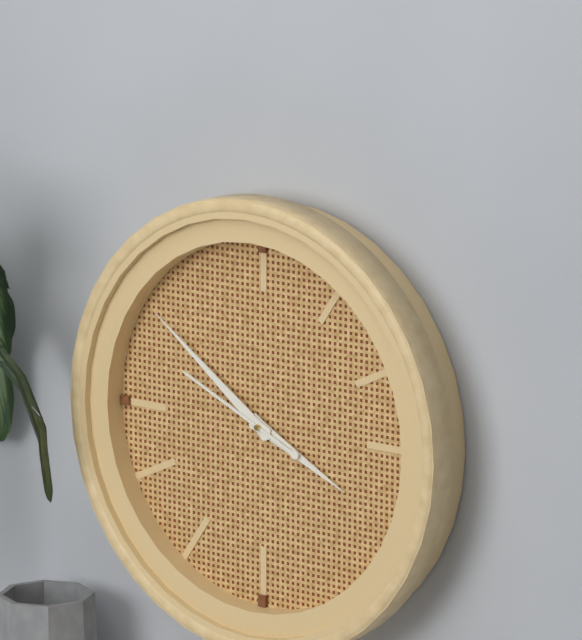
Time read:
3h51m49s
